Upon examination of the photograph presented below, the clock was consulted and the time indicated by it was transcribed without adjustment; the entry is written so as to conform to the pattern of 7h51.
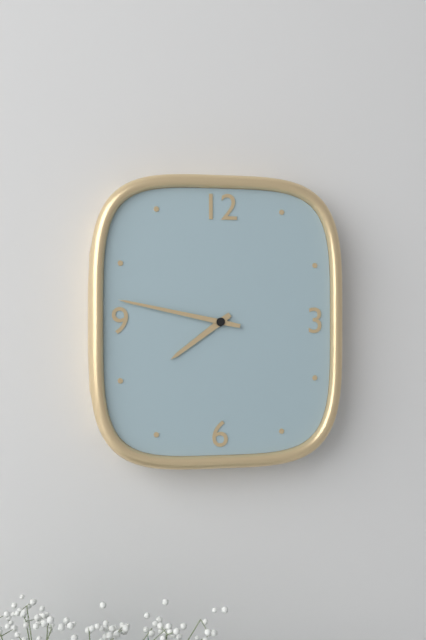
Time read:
7h47
